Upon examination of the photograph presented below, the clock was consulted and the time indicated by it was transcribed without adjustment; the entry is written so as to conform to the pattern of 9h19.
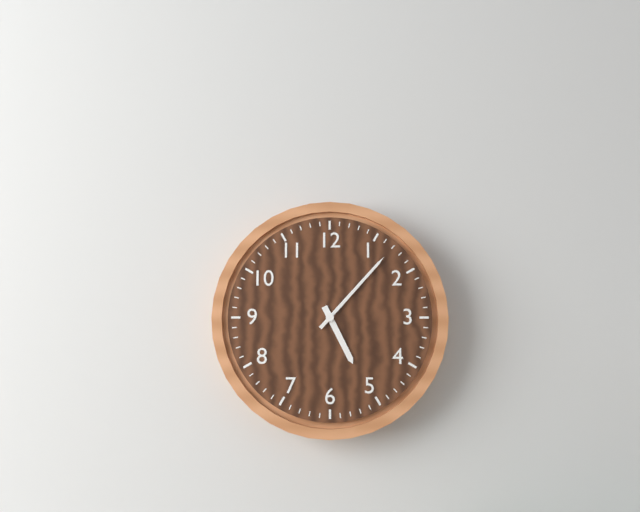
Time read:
5h07
